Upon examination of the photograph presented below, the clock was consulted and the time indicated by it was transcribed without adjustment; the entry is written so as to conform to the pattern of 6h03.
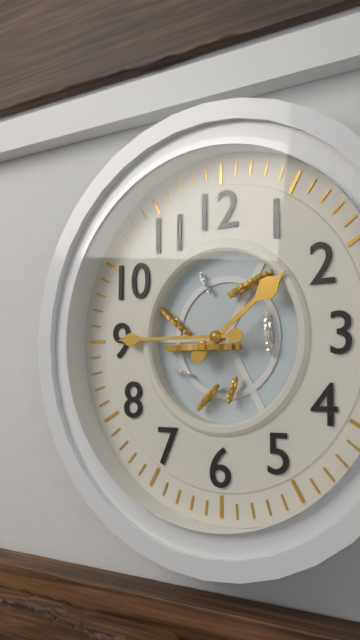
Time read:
1h45
